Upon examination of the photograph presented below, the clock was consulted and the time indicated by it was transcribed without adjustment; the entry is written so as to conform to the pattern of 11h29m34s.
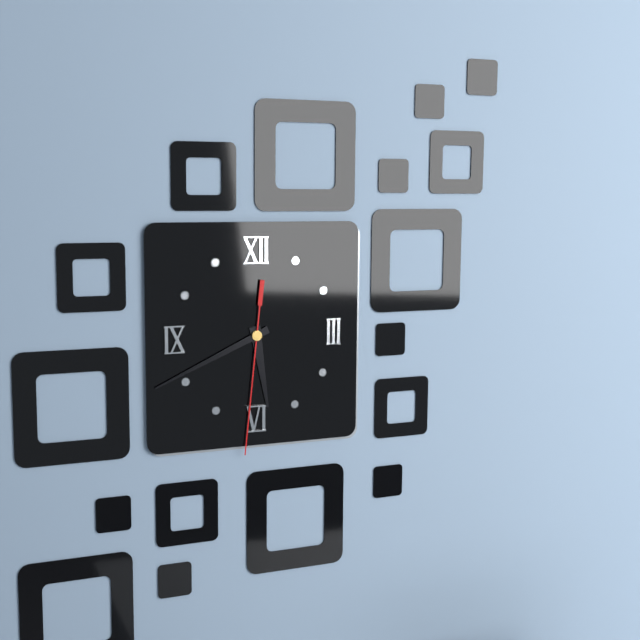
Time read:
5h41m31s
